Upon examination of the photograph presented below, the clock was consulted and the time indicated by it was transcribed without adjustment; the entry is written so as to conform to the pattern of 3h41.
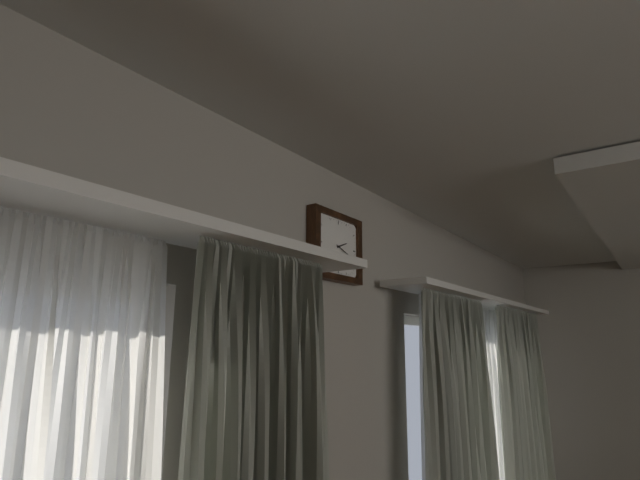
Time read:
2h18
